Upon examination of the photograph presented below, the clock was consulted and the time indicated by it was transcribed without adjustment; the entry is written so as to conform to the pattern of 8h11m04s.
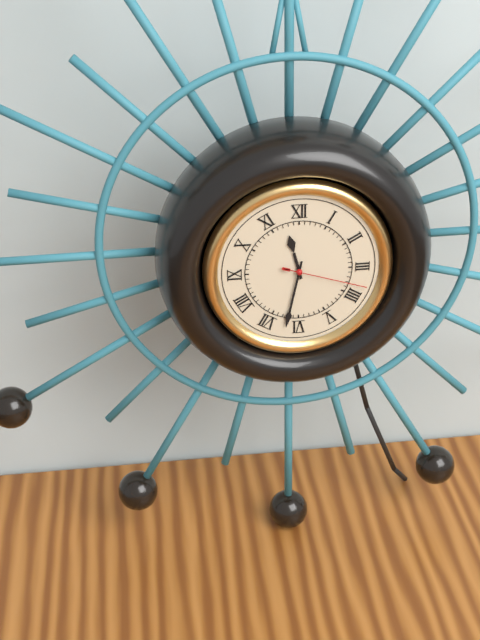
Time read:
11h32m18s
